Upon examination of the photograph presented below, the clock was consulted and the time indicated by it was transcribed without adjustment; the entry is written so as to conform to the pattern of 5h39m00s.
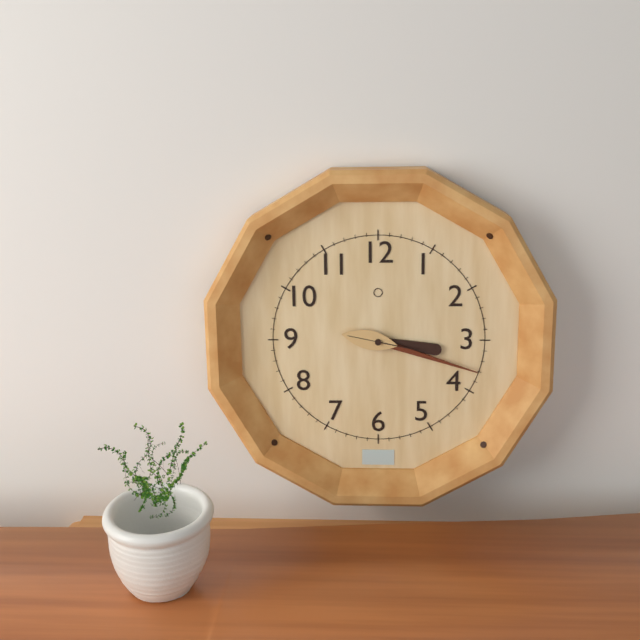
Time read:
3h18m17s
